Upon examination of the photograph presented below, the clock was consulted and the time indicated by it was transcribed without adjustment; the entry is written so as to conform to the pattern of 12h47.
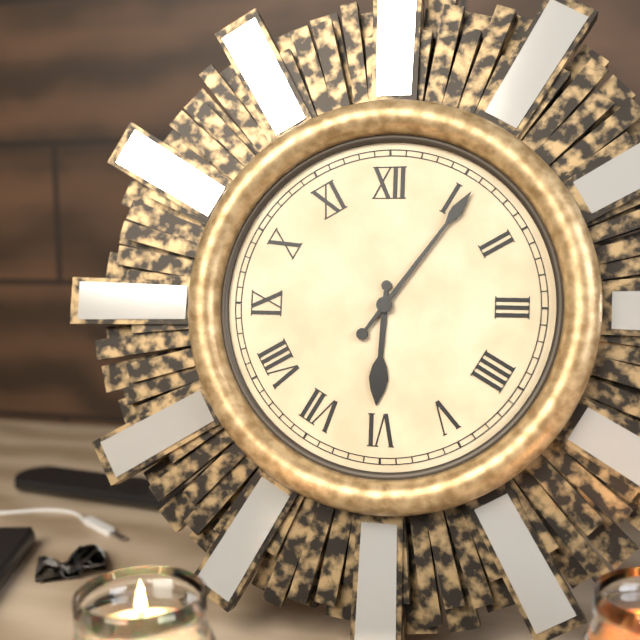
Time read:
6h06
